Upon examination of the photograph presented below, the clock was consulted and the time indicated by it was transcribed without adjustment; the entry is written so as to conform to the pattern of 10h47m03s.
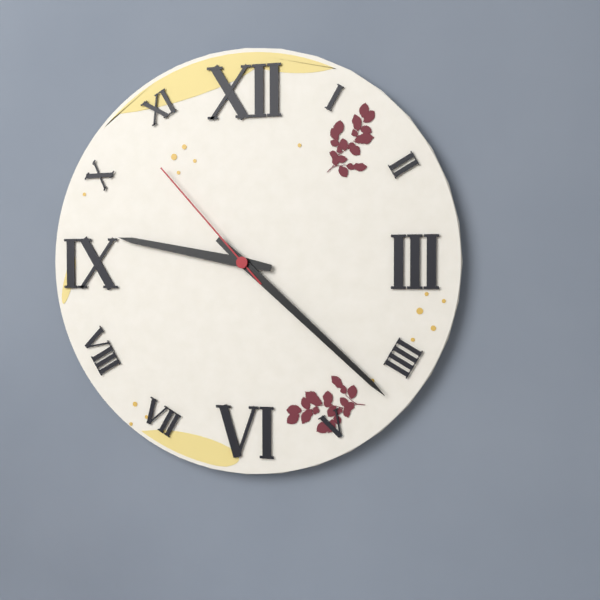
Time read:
9h22m53s
